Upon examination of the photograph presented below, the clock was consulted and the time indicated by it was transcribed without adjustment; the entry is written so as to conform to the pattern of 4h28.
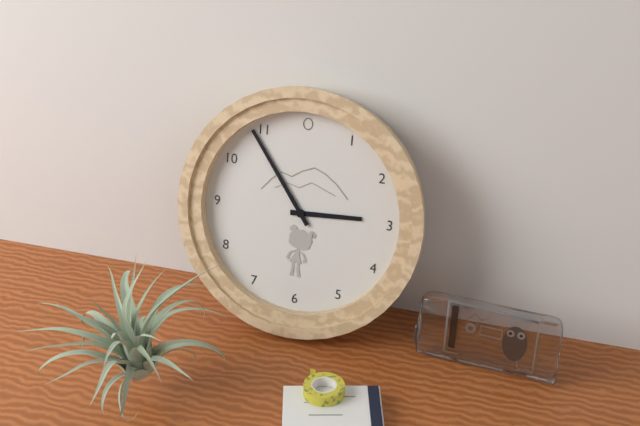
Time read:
2h54
